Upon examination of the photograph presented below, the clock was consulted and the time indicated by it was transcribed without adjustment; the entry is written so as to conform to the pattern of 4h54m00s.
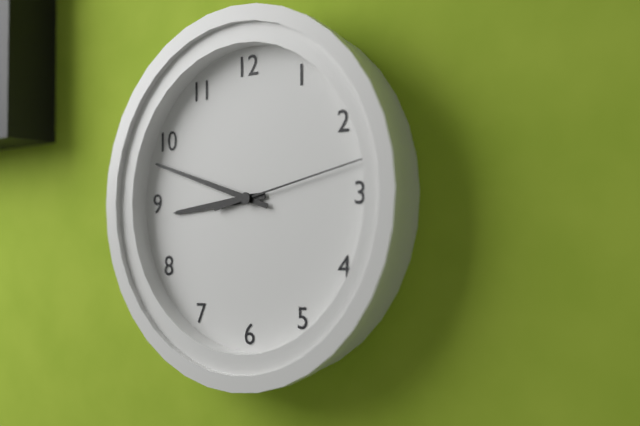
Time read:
8h48m13s
